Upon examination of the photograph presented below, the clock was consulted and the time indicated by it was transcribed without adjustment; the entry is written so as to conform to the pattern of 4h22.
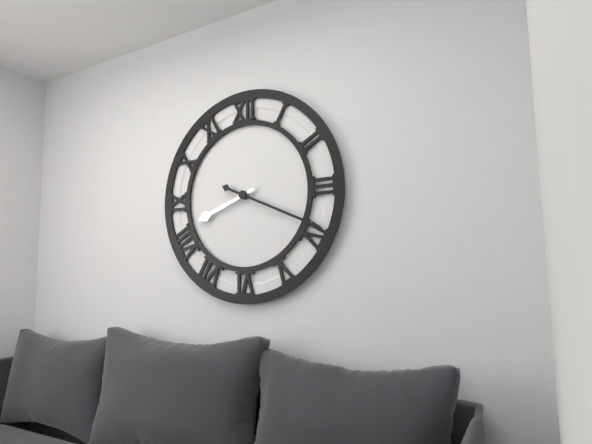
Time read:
8h19
